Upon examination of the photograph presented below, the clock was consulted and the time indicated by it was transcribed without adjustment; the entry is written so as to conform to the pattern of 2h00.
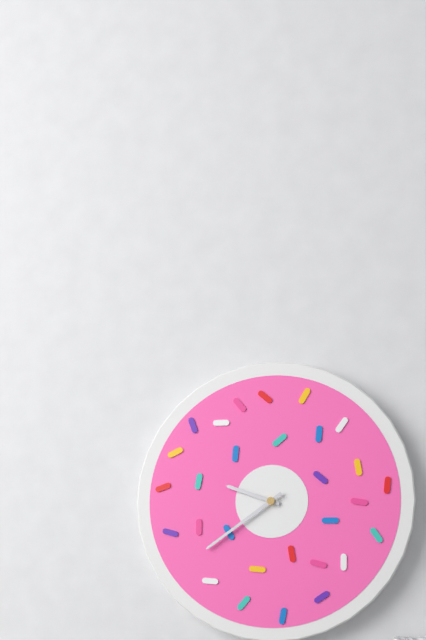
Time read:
9h39
